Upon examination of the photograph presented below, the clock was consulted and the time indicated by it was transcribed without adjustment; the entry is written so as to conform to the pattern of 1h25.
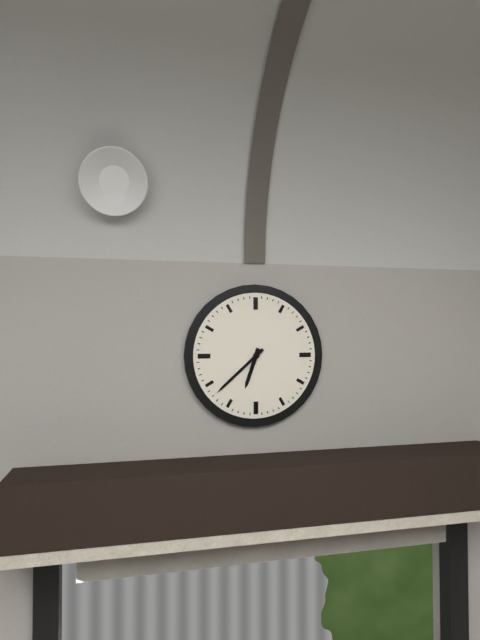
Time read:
6h38
